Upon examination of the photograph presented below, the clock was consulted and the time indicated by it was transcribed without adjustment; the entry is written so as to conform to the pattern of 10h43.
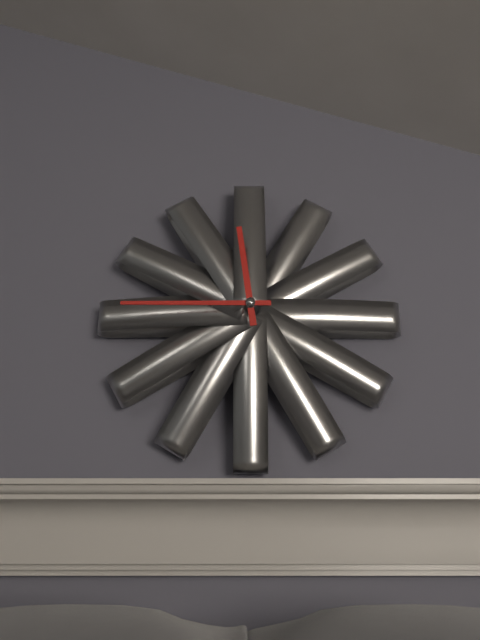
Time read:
11h45
